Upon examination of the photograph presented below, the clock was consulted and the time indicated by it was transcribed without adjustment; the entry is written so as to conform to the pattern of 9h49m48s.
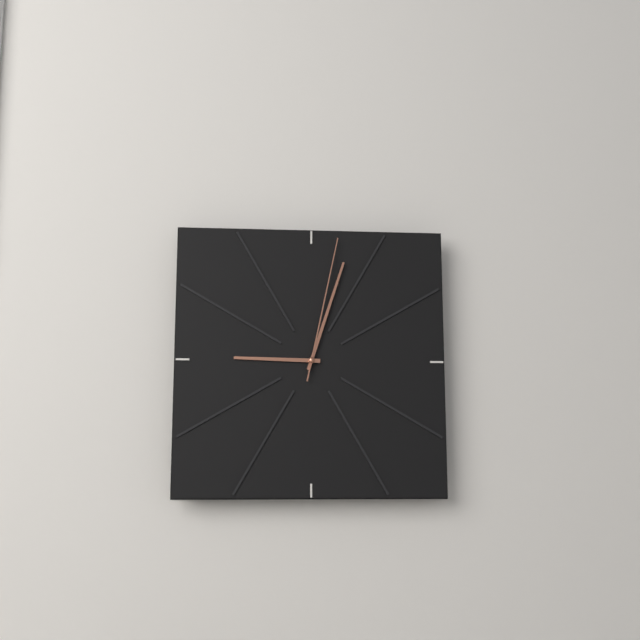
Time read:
9h03m02s
